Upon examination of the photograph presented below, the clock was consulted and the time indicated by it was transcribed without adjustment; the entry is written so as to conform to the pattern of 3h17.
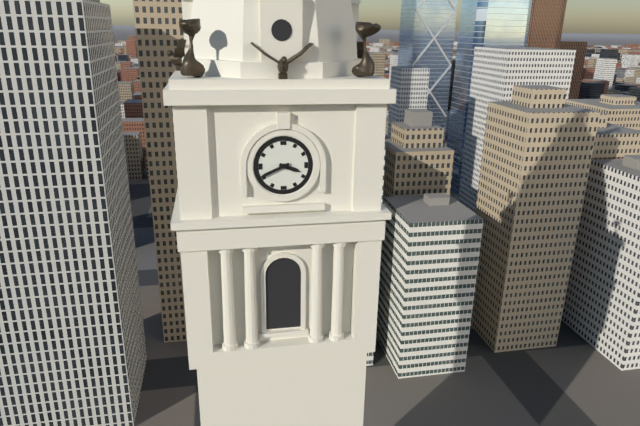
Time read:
3h41
